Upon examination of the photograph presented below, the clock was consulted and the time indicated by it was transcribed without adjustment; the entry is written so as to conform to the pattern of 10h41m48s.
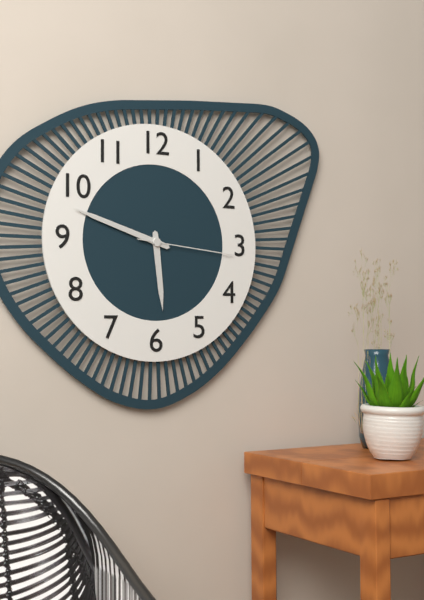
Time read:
5h48m16s
